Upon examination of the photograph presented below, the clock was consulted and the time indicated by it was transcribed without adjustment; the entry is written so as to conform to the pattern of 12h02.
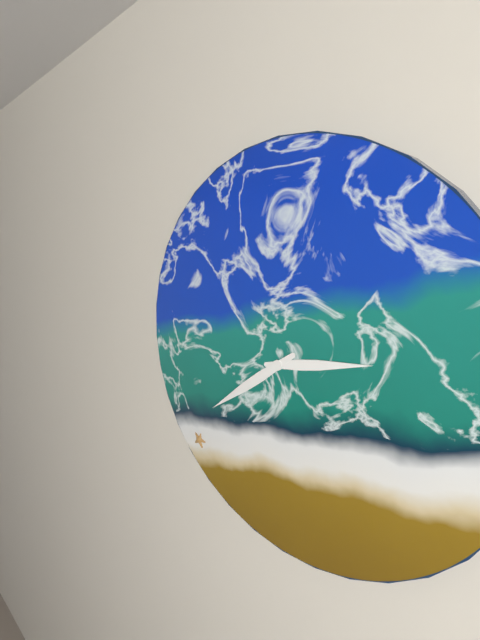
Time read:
2h39
